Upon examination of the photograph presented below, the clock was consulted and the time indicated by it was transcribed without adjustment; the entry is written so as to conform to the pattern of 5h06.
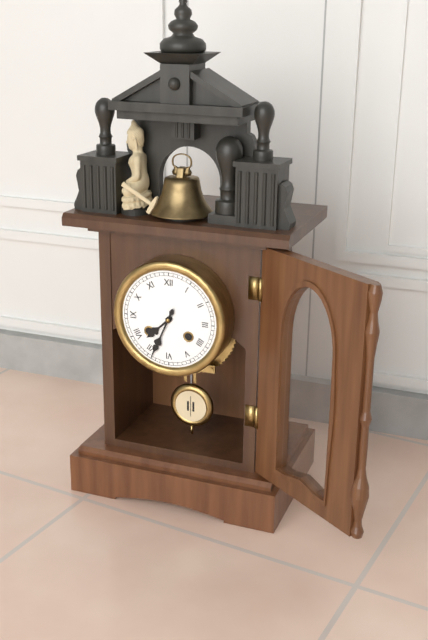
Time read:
7h34
